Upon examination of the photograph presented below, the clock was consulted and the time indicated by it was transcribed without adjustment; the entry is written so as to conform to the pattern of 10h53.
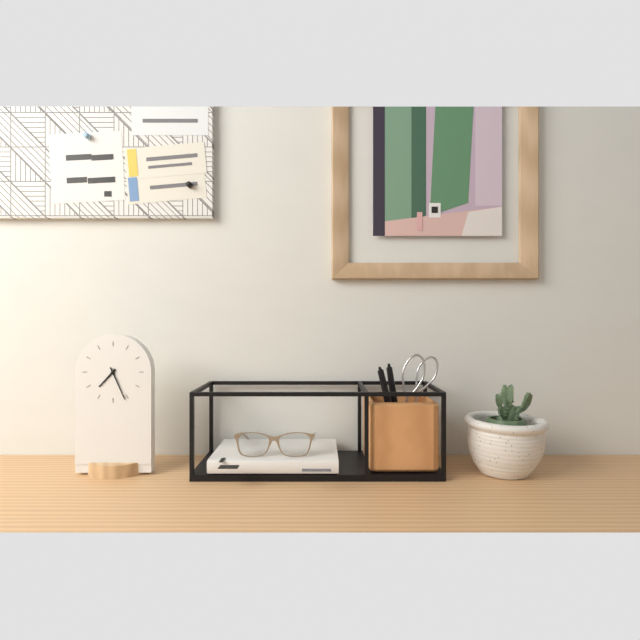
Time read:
7h26
